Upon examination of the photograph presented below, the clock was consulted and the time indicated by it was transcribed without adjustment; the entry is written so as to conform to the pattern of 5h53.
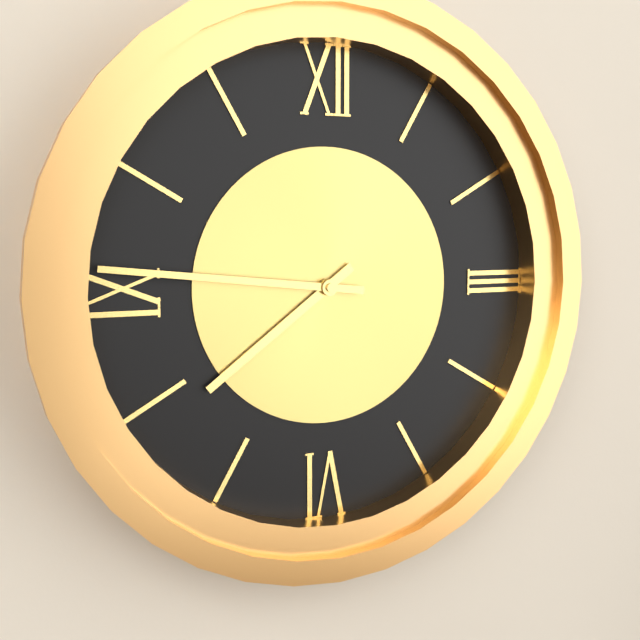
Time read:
7h46
